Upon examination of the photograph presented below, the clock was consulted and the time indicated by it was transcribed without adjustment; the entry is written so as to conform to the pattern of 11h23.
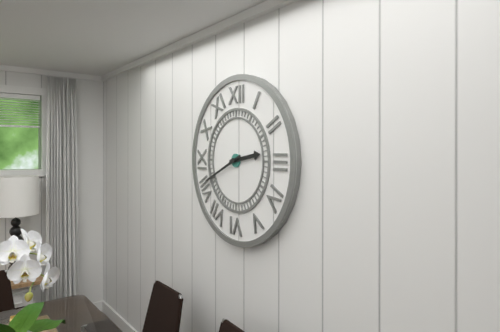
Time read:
2h41
